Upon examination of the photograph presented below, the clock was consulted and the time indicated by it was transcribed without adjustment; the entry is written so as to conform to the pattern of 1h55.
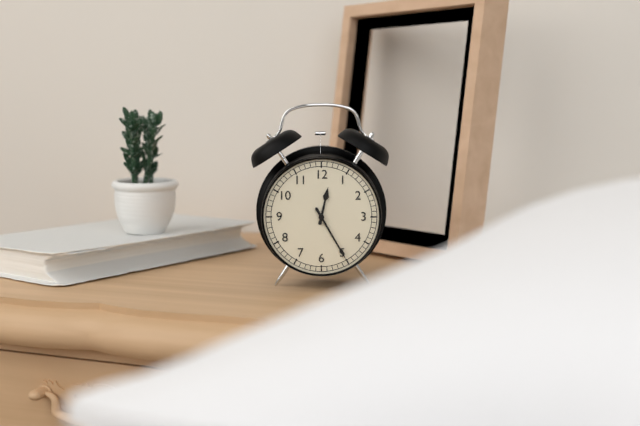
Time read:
12h25
